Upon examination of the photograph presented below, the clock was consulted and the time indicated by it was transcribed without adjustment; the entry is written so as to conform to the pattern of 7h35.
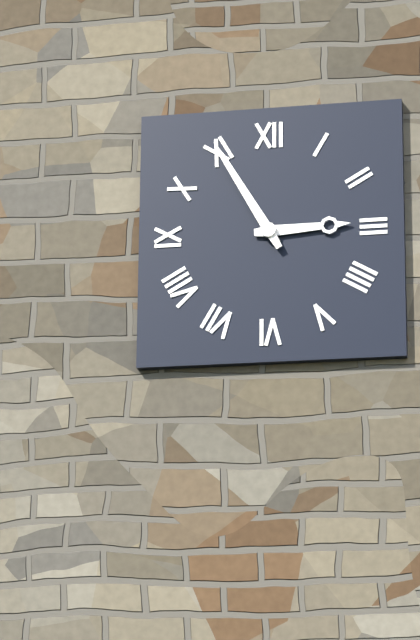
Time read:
2h55
